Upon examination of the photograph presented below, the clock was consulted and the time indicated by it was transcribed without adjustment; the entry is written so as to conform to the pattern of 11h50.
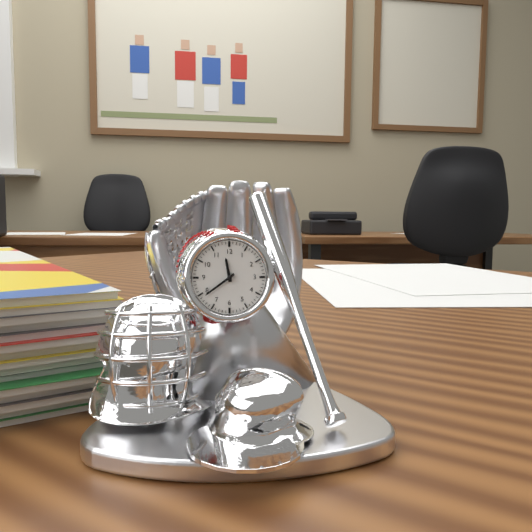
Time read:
11h39
